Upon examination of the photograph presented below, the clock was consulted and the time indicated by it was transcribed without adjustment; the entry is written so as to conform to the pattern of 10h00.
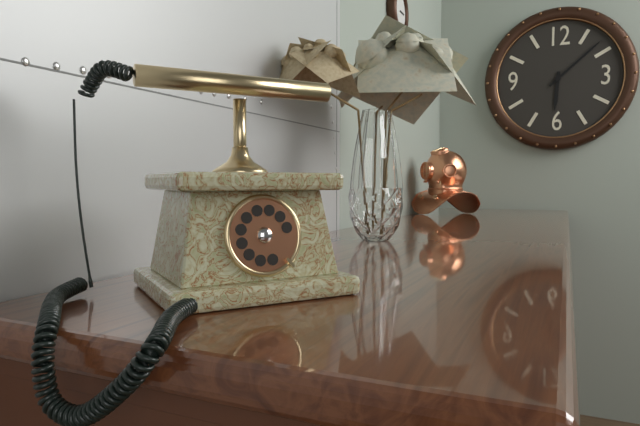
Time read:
6h08
